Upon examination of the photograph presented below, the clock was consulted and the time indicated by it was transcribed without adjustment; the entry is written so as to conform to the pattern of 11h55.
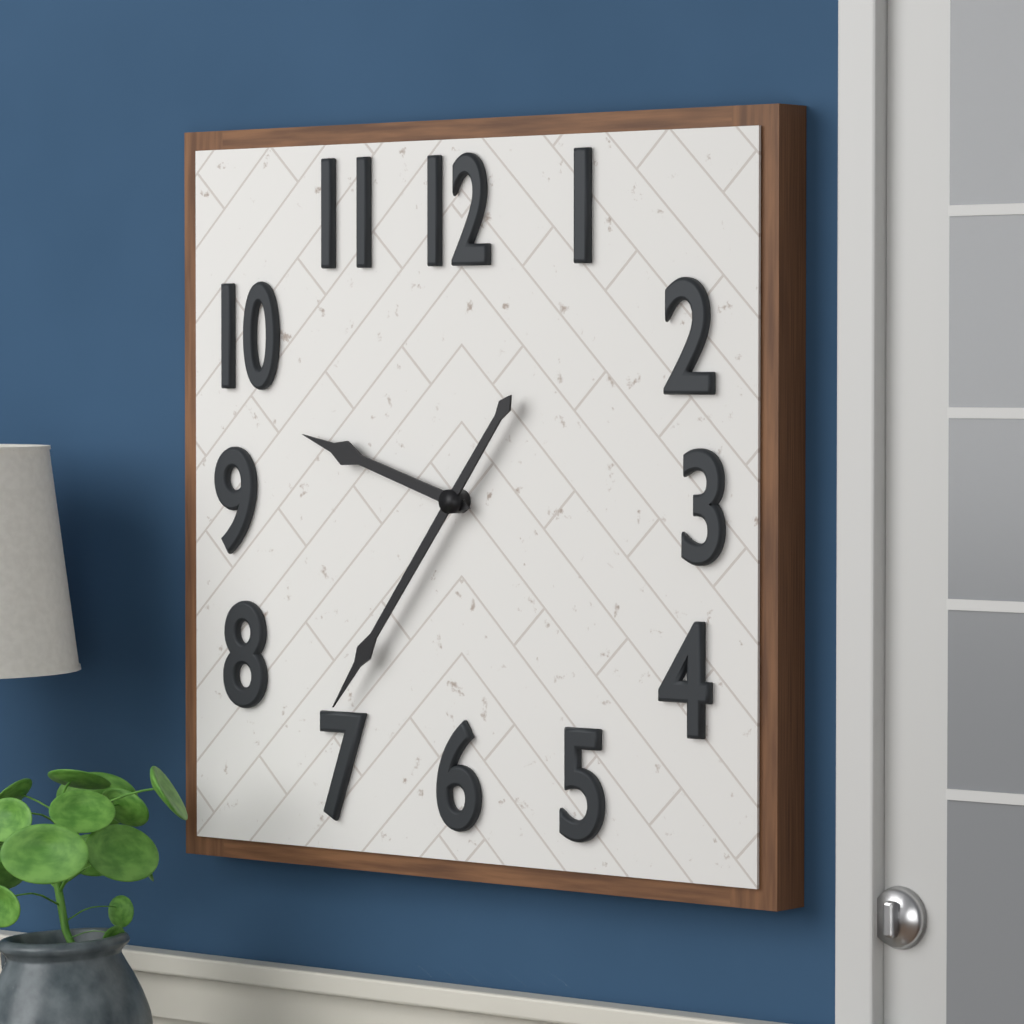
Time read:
9h36
